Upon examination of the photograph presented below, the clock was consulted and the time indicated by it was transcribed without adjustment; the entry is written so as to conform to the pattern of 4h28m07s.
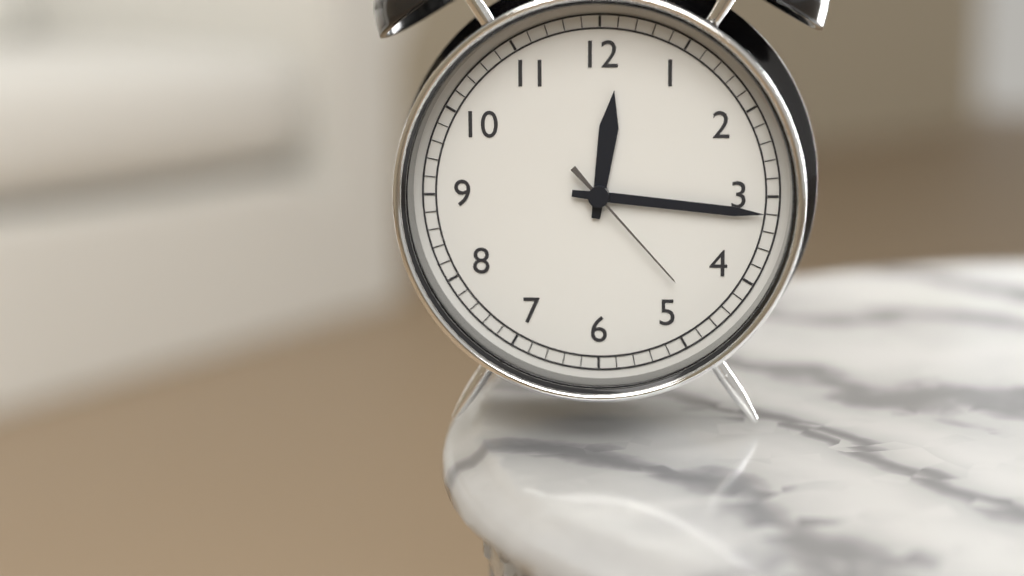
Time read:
12h16m23s
